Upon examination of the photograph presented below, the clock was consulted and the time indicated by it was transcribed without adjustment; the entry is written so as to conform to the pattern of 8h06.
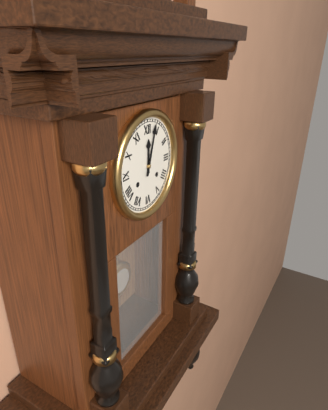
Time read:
12h03
